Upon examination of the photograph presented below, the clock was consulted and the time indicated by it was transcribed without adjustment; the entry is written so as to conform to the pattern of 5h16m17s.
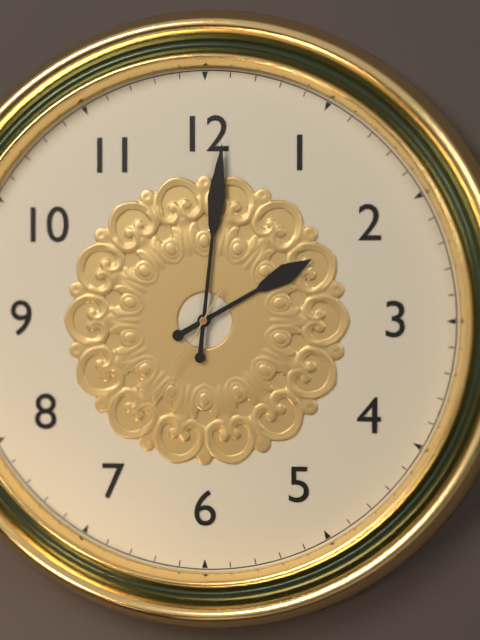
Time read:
2h01m35s
